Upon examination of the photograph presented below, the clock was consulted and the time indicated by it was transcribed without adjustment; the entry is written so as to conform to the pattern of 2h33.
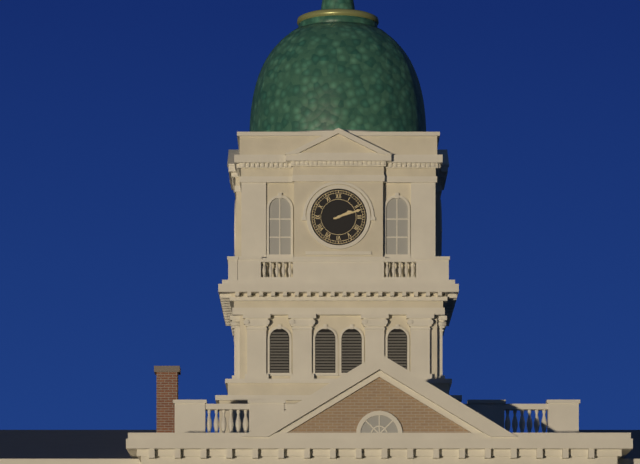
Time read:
2h12
